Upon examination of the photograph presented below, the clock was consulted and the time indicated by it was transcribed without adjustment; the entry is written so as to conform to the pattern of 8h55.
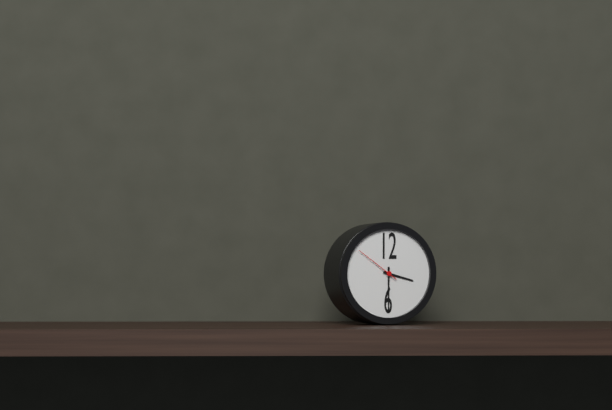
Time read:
3h30
